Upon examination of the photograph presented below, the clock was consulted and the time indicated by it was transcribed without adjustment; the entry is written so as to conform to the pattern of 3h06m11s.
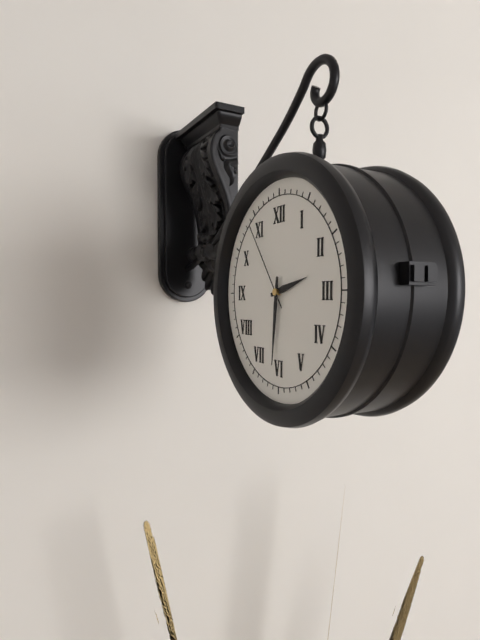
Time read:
2h31m54s
